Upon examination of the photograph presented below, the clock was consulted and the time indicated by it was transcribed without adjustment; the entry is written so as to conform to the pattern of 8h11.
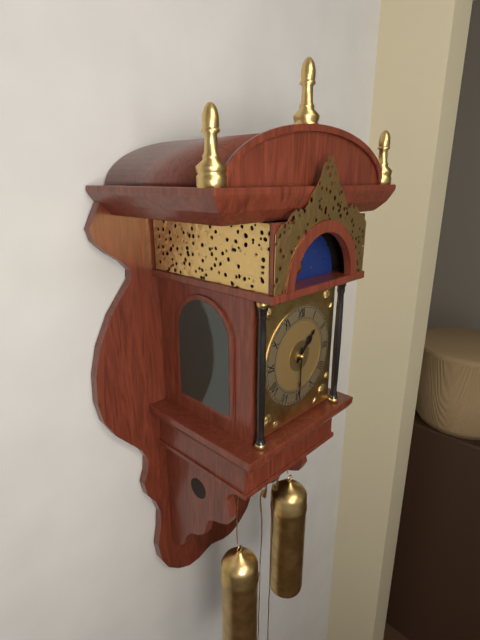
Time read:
1h30
